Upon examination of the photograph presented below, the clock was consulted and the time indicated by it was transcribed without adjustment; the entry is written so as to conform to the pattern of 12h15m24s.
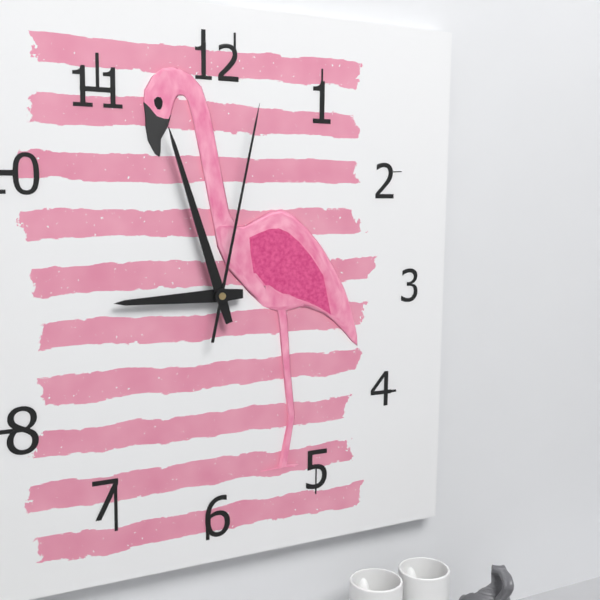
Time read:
8h57m02s
